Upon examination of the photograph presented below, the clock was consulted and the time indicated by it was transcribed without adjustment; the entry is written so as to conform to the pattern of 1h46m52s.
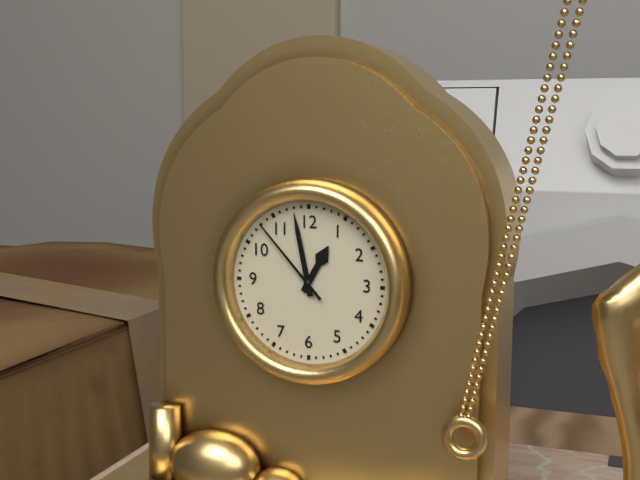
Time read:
12h58m53s
